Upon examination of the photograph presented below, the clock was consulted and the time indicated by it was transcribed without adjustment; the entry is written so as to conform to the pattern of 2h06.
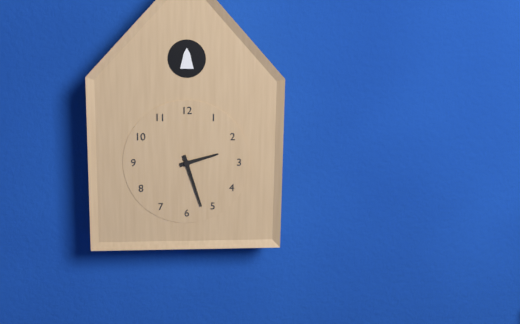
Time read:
2h27
